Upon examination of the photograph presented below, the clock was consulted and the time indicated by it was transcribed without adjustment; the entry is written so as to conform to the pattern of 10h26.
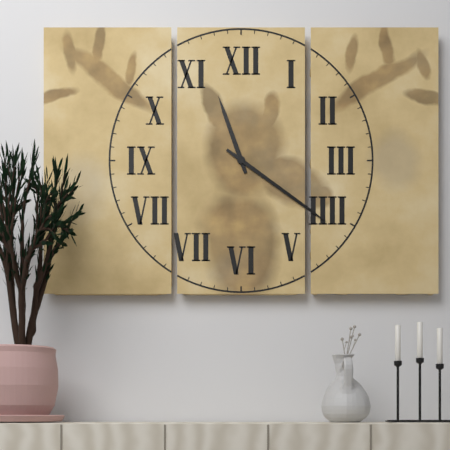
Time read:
11h21
